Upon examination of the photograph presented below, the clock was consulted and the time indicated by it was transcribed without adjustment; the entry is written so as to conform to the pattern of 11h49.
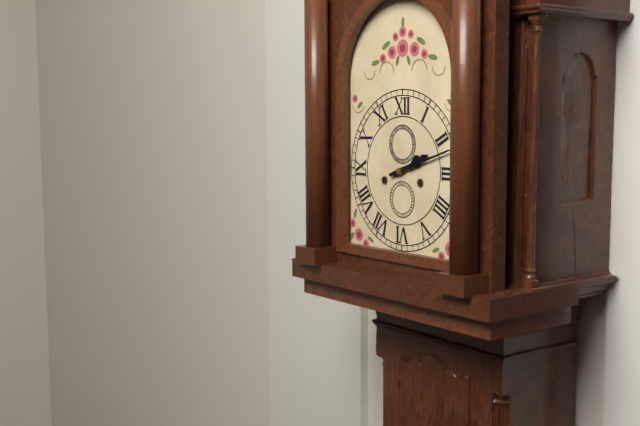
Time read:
2h12
